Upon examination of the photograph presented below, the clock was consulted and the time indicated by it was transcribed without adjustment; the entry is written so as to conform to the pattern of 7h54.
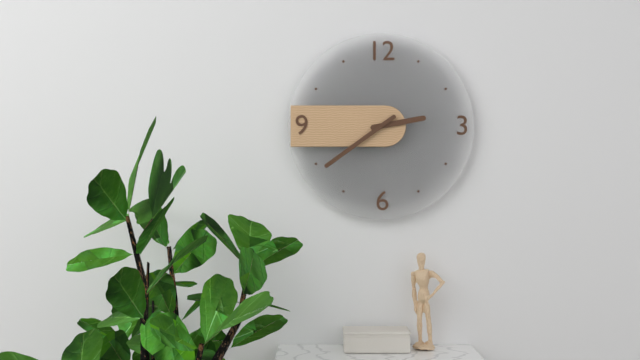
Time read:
2h39
